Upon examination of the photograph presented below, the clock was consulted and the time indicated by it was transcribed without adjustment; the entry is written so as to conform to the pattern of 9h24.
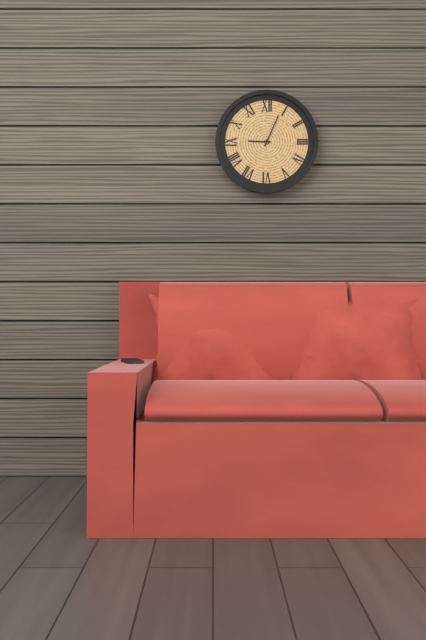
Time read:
9h04
